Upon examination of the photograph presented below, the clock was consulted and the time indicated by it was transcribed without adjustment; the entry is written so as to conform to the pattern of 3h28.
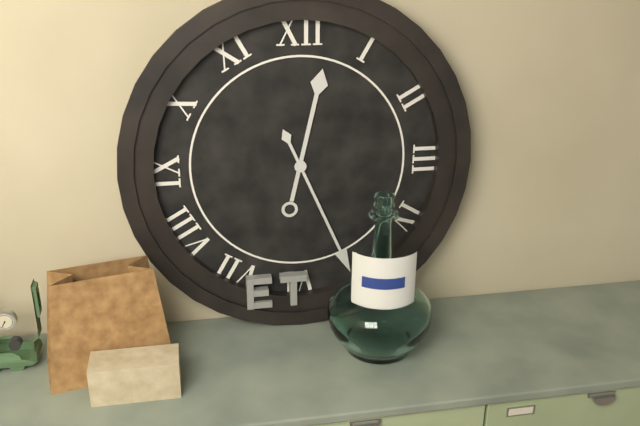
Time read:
12h26
